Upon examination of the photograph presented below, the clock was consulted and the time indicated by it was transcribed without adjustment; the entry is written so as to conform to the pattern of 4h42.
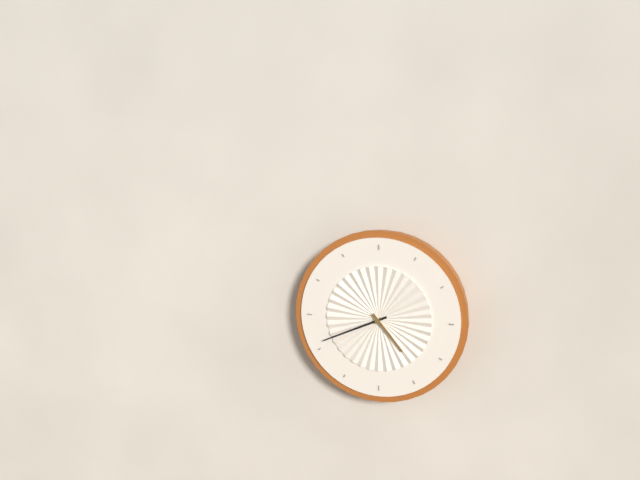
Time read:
4h41
